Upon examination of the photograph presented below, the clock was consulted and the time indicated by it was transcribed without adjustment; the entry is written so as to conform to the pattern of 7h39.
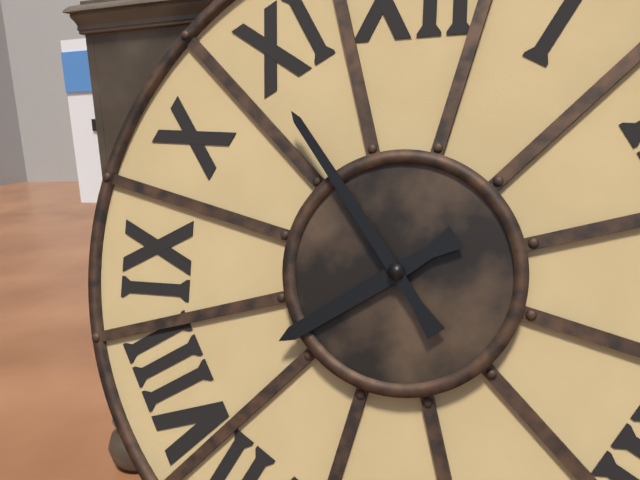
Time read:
7h54
